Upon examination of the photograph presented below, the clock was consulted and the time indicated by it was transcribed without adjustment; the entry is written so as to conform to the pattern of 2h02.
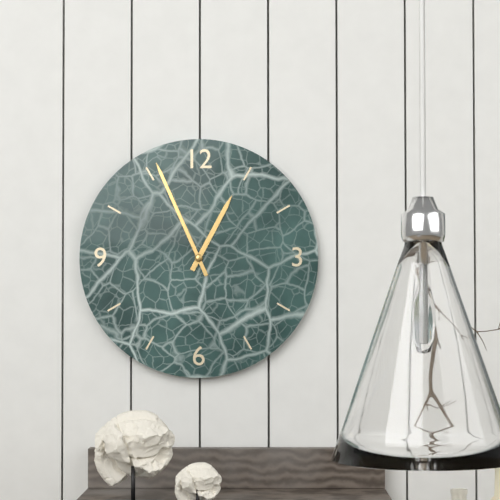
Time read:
12h56
